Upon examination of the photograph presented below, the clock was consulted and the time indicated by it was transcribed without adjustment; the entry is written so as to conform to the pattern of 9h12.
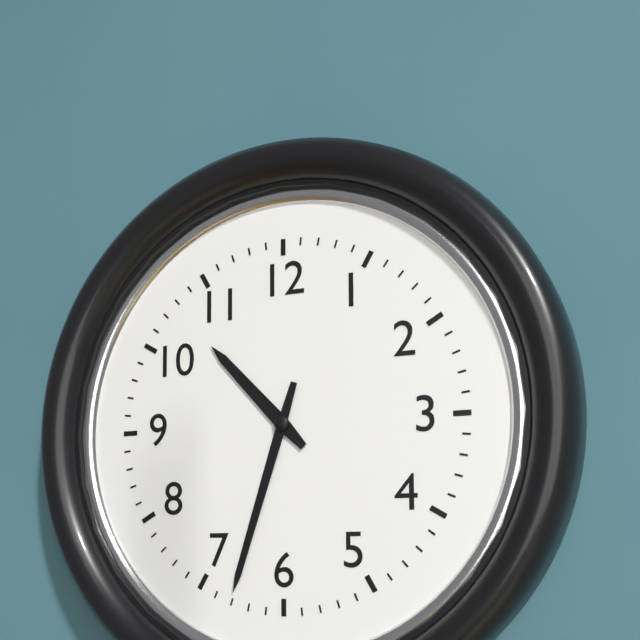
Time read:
10h33
